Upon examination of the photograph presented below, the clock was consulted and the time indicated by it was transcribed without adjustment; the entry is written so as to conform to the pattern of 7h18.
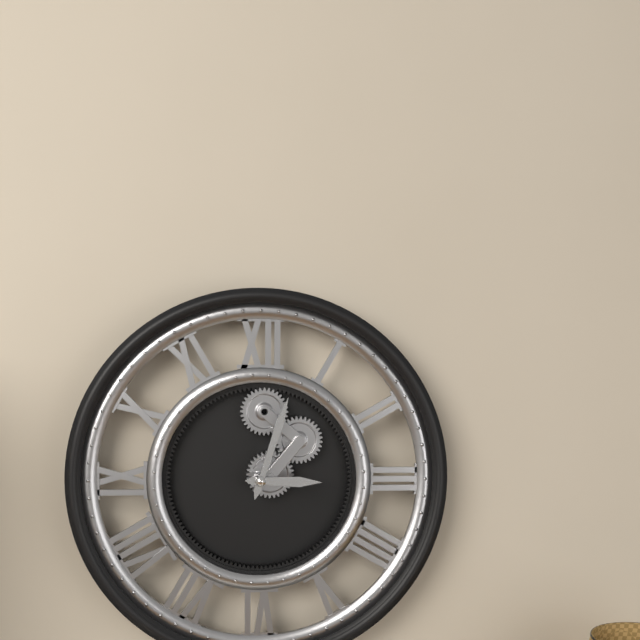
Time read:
3h03
